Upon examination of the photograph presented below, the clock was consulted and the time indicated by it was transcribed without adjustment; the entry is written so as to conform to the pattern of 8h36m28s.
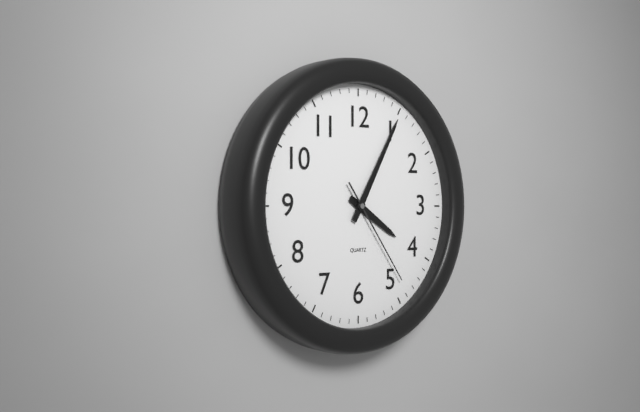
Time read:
4h05m24s
